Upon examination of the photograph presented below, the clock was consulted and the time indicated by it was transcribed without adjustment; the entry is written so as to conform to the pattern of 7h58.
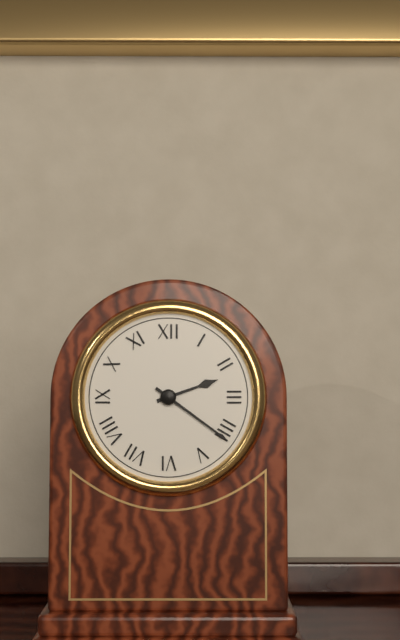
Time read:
2h21
